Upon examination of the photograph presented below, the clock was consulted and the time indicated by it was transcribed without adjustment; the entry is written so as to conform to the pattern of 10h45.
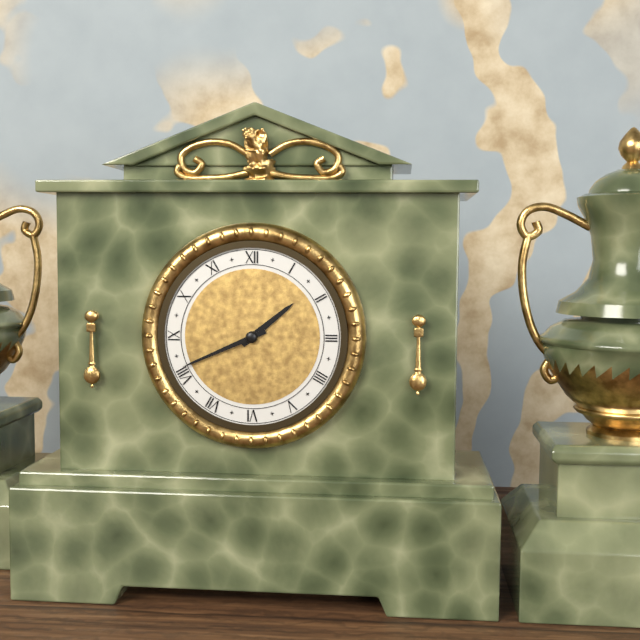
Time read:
1h41
